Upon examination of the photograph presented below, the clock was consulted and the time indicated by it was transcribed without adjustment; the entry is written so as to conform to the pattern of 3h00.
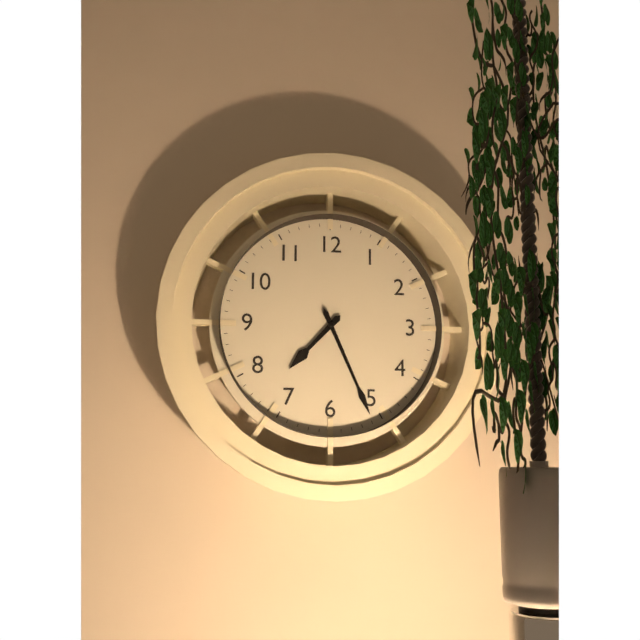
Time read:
7h26
